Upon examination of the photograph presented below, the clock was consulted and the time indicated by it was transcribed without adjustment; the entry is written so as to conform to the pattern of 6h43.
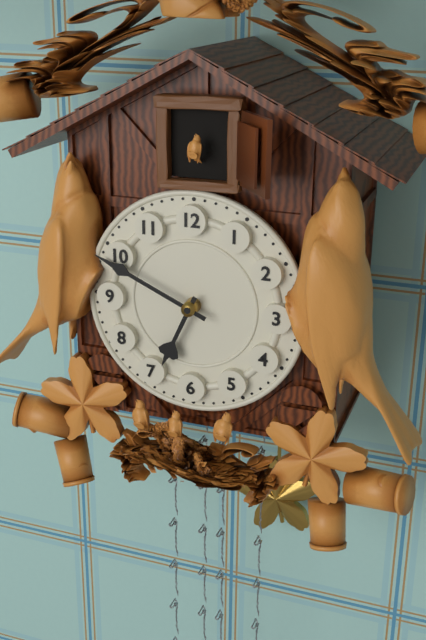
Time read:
6h49
